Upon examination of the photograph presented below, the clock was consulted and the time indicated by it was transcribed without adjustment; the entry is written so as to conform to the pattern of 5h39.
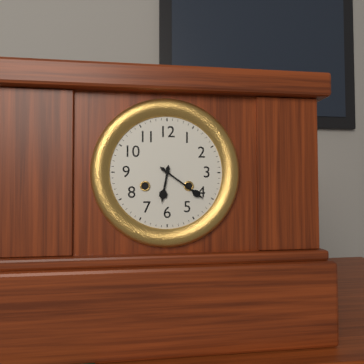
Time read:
6h21
